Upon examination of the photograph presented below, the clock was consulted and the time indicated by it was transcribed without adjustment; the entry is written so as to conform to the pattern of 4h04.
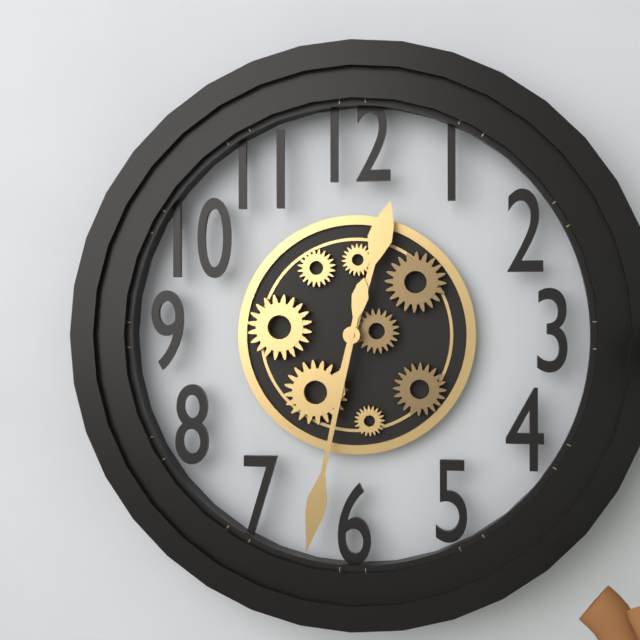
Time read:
12h32
